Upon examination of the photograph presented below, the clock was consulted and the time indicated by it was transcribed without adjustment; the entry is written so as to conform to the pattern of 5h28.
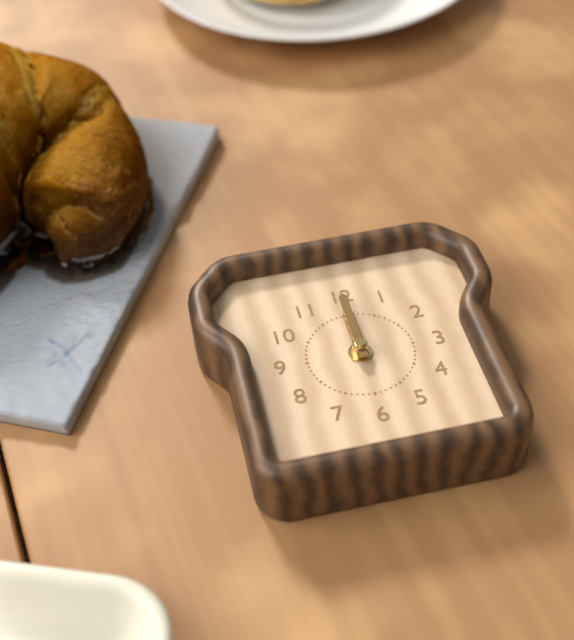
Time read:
12h00
